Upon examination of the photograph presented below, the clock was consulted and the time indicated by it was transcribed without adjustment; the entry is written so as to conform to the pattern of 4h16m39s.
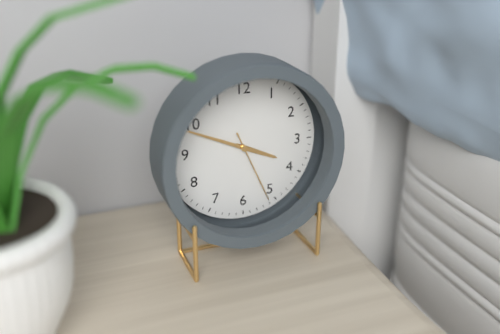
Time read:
3h49m26s
